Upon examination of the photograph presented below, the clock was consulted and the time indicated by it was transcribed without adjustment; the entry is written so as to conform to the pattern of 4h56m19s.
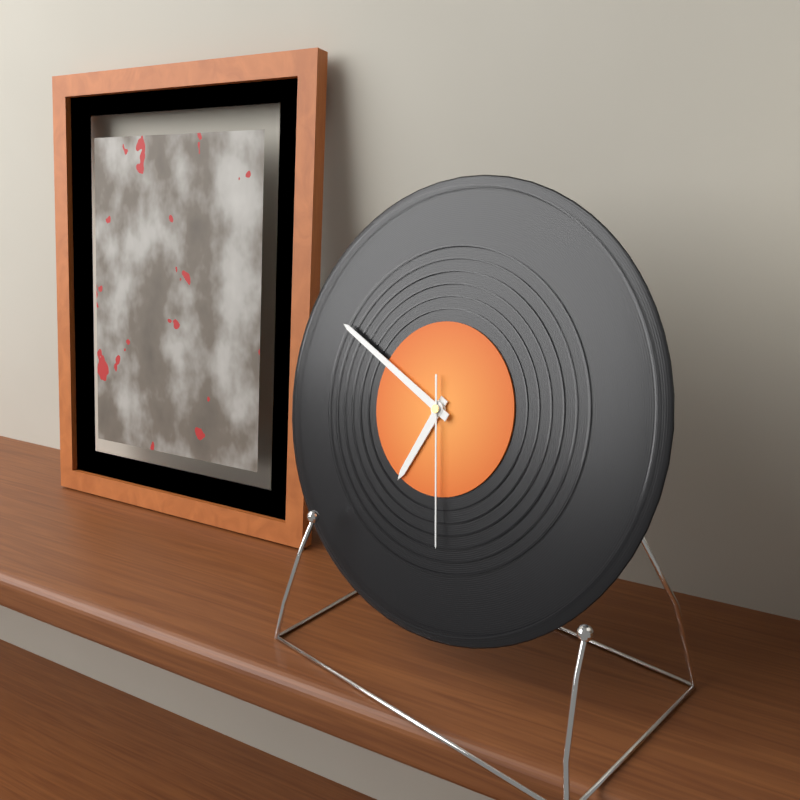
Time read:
6h49m28s
